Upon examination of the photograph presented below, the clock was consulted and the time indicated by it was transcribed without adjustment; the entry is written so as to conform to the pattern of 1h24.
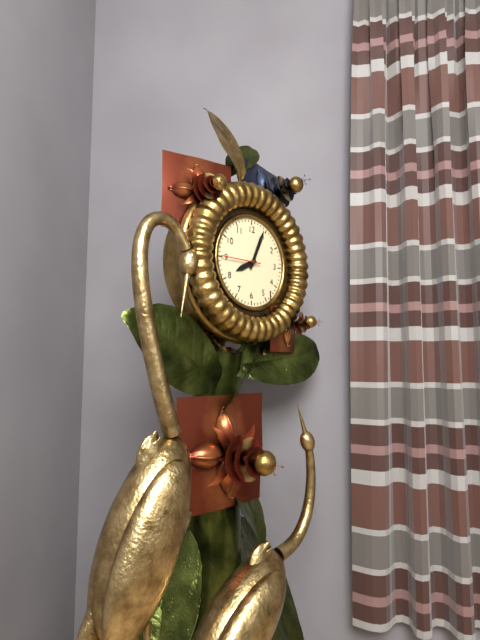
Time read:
8h04
